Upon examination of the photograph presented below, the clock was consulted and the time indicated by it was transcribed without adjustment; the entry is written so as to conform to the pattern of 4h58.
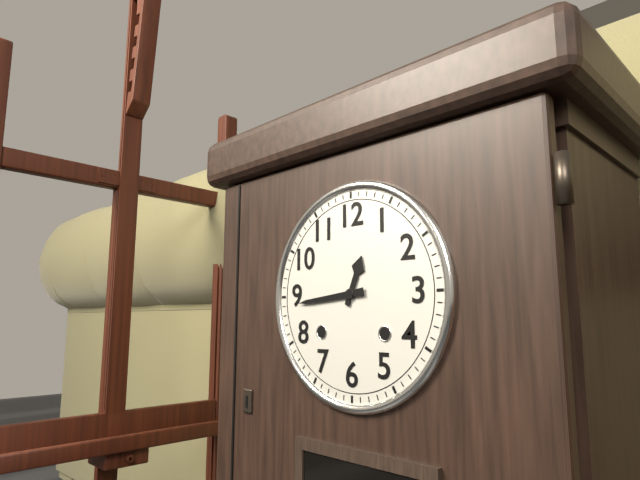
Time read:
12h44
